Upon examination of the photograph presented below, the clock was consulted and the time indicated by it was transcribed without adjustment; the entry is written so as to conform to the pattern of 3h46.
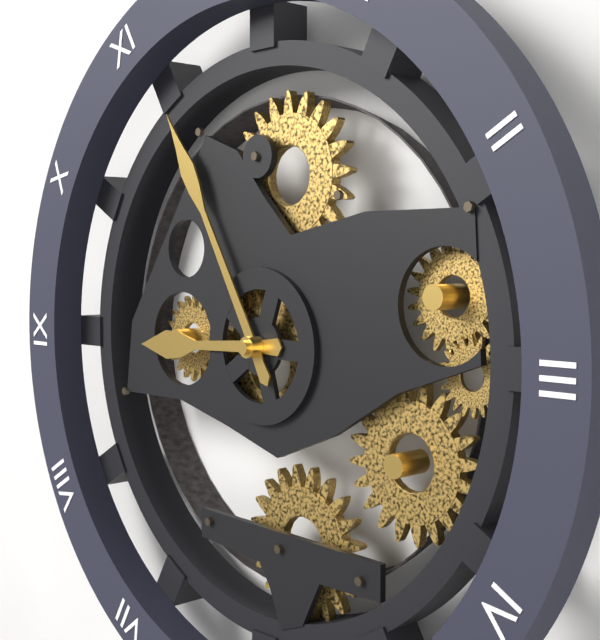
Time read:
8h55
